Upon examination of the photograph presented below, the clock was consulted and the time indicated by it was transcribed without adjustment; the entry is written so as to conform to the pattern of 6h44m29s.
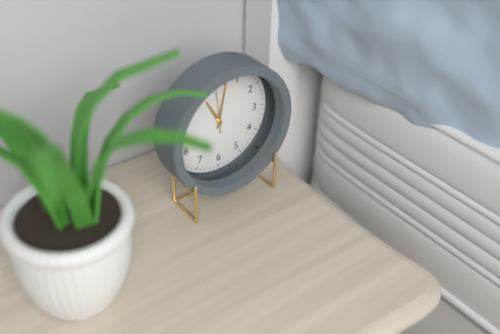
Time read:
11h02m59s
